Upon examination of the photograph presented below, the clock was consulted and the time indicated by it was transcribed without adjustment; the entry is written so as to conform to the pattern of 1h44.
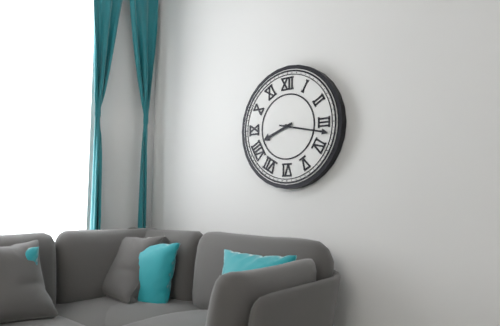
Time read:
8h17
